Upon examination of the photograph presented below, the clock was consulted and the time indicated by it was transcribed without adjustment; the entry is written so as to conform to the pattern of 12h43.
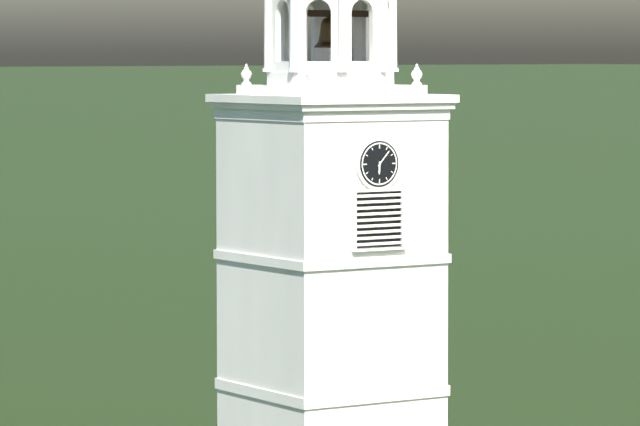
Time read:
6h07
